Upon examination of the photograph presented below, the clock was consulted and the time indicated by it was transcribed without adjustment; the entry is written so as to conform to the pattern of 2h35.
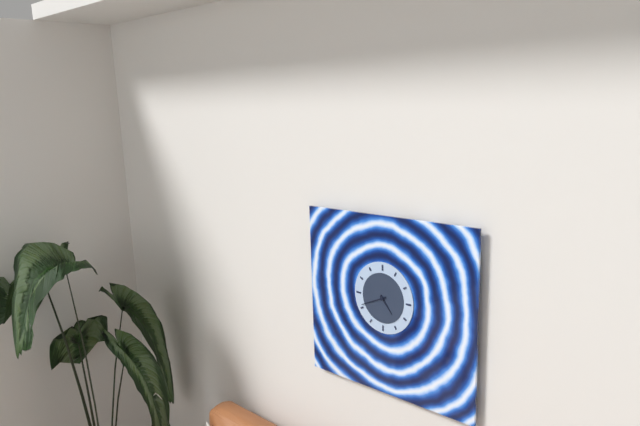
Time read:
4h41
